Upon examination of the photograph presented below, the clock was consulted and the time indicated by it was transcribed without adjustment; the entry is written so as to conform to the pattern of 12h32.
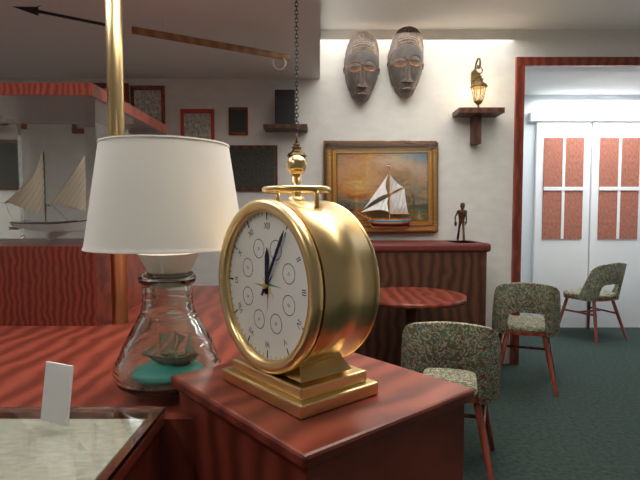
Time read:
12h05
